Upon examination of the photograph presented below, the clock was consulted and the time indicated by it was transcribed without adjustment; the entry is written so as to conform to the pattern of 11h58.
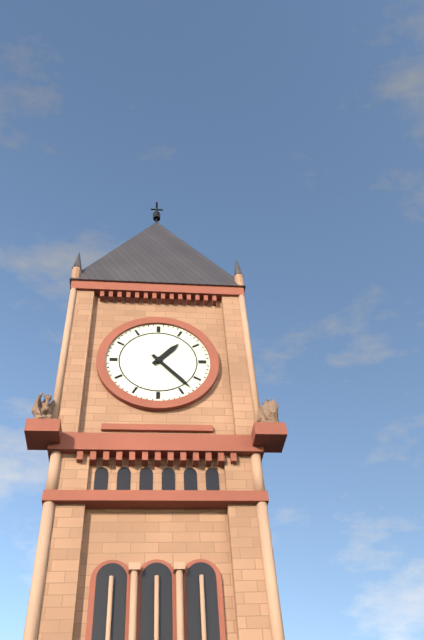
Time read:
1h23
